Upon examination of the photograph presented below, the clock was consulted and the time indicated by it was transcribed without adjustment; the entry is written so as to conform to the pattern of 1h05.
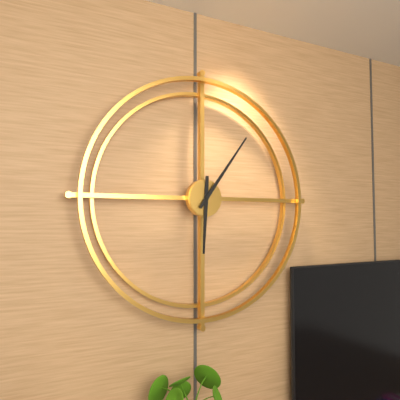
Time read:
6h06
